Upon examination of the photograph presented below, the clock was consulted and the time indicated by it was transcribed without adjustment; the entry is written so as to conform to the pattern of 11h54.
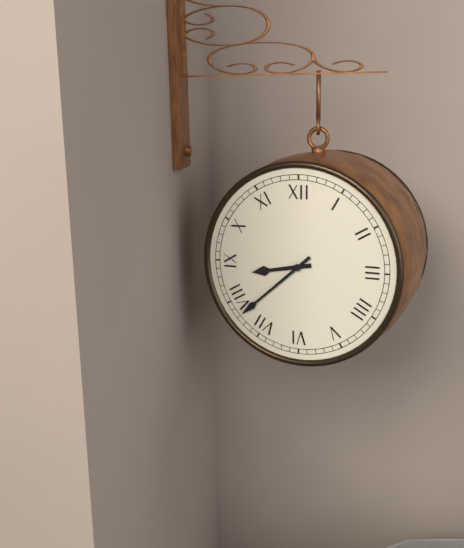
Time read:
8h38
